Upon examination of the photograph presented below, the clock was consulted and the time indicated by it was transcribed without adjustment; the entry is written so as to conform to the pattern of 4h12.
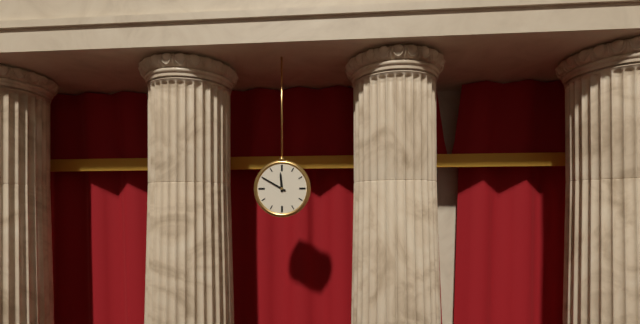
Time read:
11h50
